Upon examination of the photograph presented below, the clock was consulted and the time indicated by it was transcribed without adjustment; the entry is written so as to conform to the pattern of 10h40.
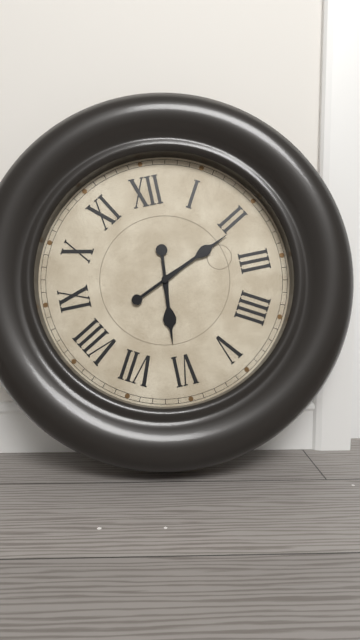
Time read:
6h11
